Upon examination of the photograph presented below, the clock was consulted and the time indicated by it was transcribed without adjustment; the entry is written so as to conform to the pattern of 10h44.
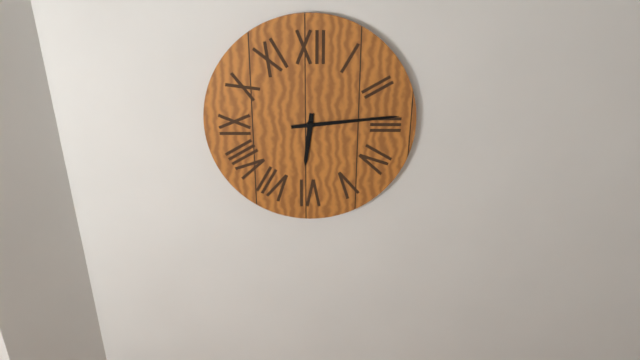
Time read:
6h14
